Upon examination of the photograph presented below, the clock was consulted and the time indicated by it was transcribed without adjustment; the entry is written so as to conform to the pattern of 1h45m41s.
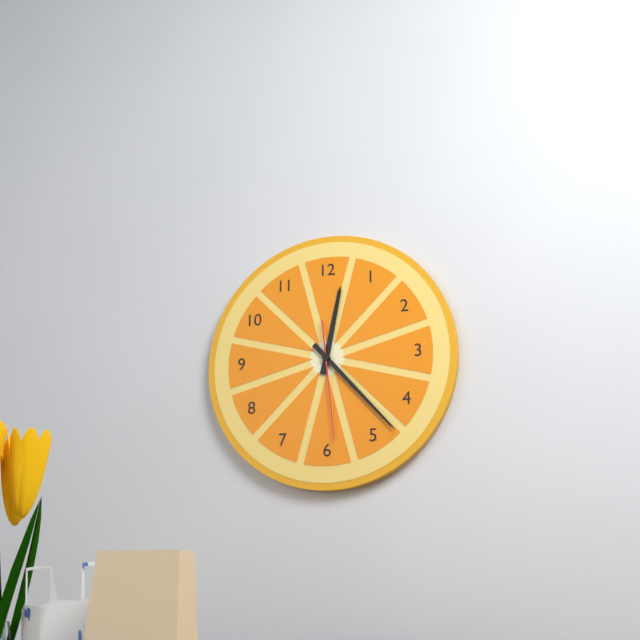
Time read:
12h23m29s
